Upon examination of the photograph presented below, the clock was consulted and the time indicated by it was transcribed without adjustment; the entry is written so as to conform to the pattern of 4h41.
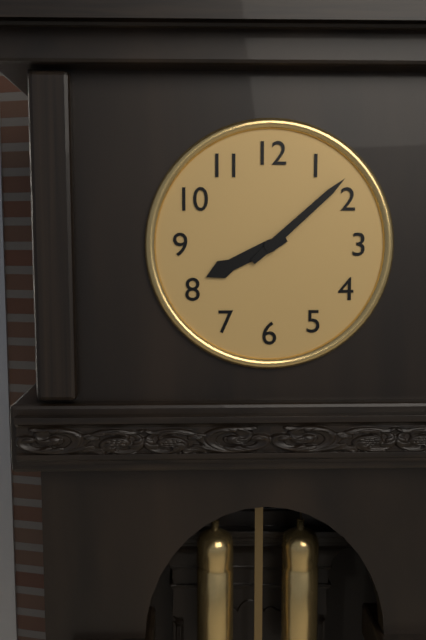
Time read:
8h08
